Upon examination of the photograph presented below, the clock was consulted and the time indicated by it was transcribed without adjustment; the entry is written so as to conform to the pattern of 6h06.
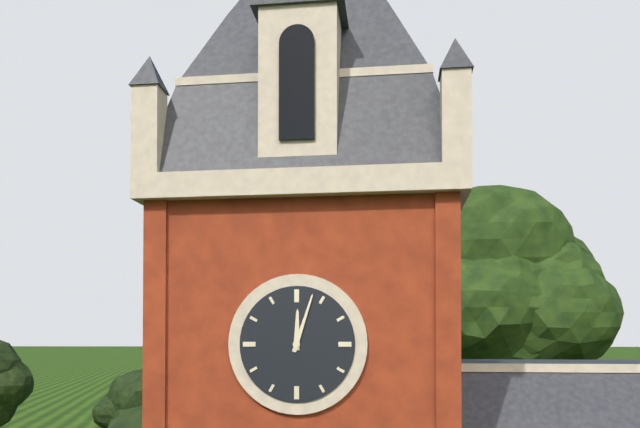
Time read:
12h03
